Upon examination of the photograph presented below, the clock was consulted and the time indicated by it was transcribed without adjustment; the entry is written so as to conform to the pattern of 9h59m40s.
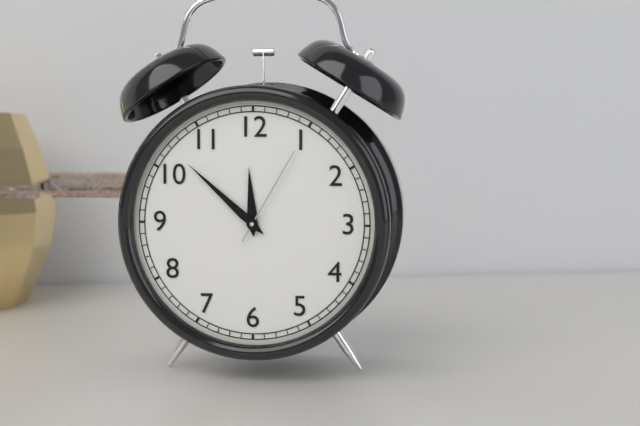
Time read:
11h52m05s
